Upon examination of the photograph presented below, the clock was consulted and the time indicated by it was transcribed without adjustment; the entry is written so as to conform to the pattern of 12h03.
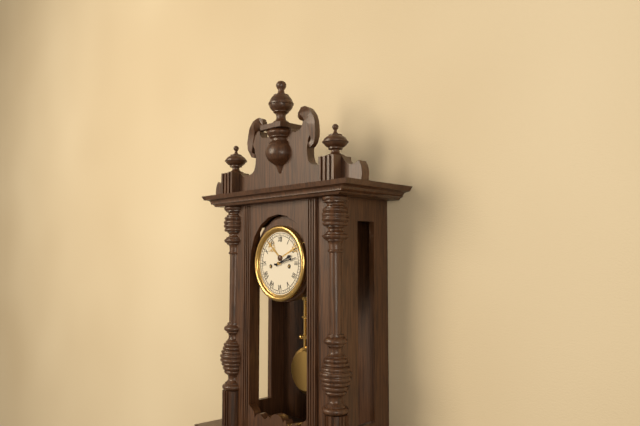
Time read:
2h13
